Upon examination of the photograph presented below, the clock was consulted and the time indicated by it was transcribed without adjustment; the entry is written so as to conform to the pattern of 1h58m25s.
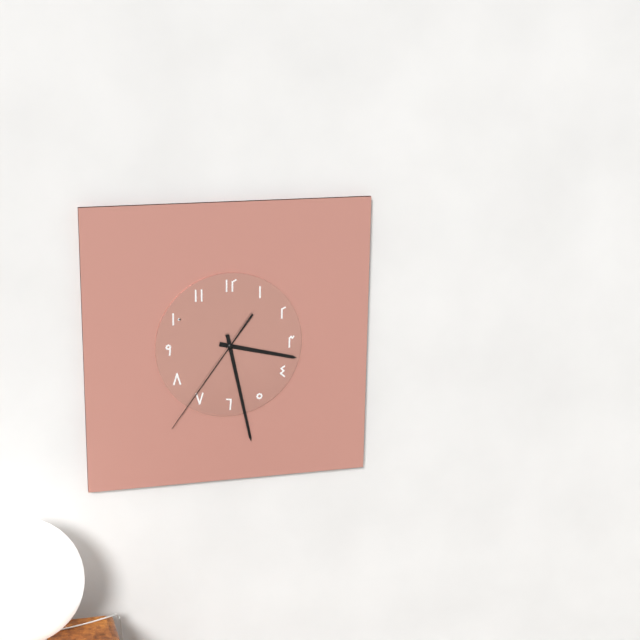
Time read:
3h28m36s
